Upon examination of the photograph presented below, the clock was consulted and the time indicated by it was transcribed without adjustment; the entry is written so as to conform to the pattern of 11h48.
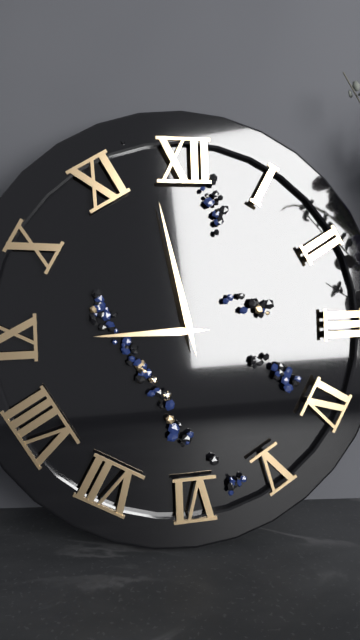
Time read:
8h58
